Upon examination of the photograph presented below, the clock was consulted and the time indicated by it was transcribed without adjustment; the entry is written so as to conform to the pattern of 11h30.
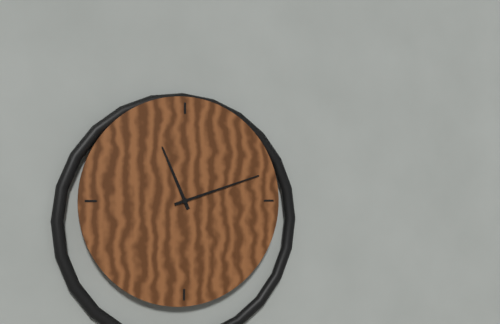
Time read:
11h12
